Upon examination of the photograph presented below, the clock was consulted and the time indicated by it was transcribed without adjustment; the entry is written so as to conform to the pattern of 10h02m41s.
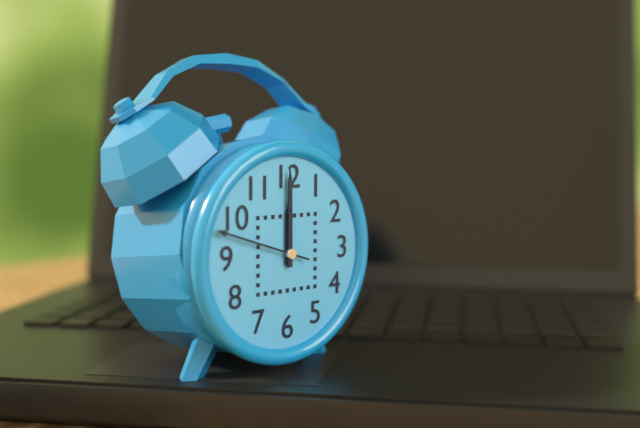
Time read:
12h00m48s
